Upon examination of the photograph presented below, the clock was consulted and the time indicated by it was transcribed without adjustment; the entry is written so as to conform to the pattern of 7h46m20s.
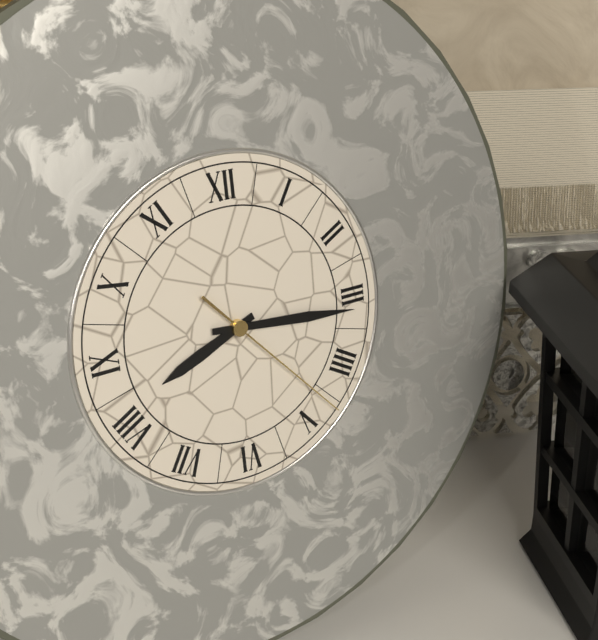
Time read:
8h16m23s
